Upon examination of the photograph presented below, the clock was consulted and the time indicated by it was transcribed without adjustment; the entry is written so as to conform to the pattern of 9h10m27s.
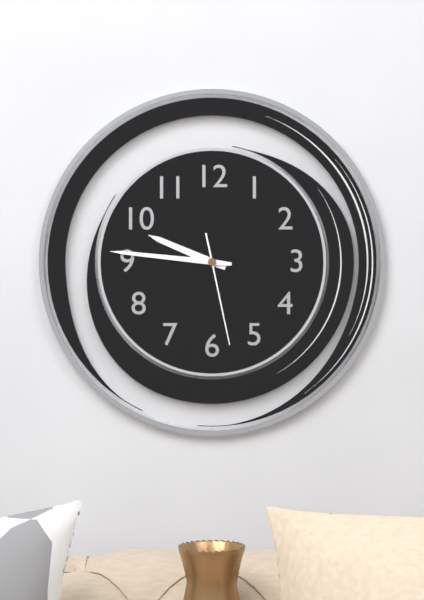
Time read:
9h46m28s
